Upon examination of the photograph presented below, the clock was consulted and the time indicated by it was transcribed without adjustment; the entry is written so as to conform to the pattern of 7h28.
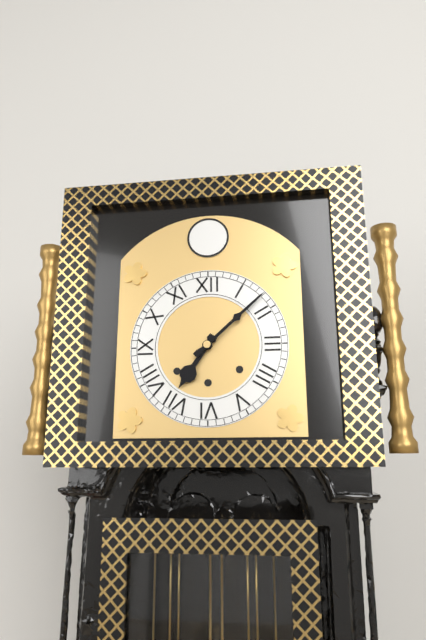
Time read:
7h08
